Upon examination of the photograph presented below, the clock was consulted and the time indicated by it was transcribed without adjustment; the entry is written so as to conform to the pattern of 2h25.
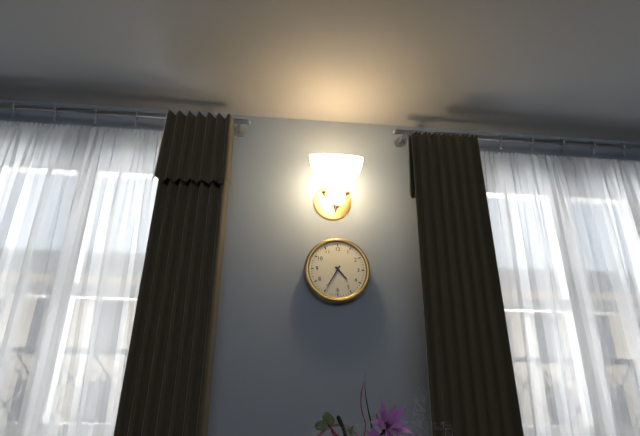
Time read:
4h35
